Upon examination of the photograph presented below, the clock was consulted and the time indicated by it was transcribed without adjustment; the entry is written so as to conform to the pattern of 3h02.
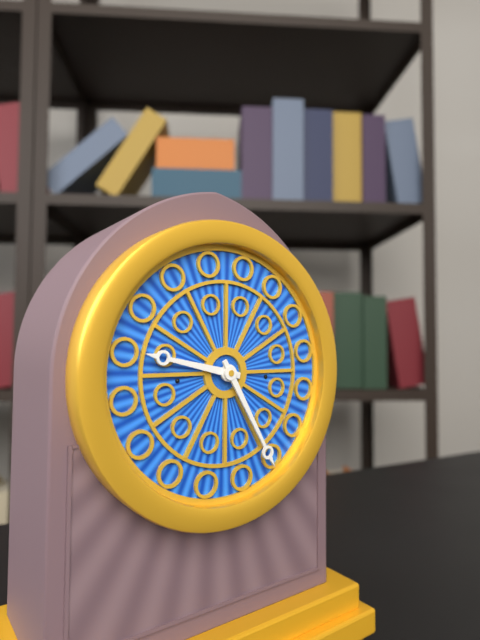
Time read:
9h25
